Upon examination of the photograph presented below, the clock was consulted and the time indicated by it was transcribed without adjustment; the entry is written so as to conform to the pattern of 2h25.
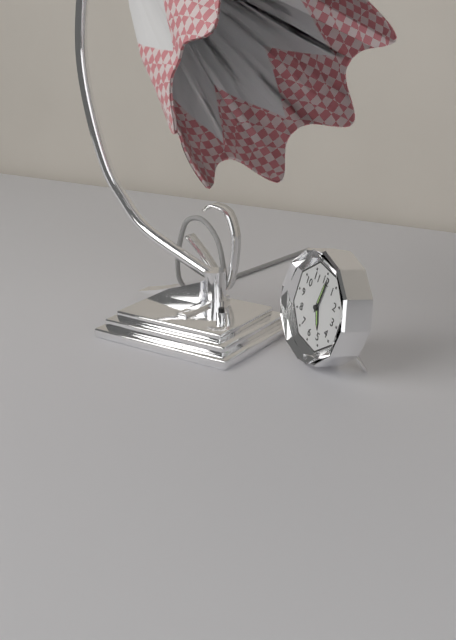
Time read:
5h01
